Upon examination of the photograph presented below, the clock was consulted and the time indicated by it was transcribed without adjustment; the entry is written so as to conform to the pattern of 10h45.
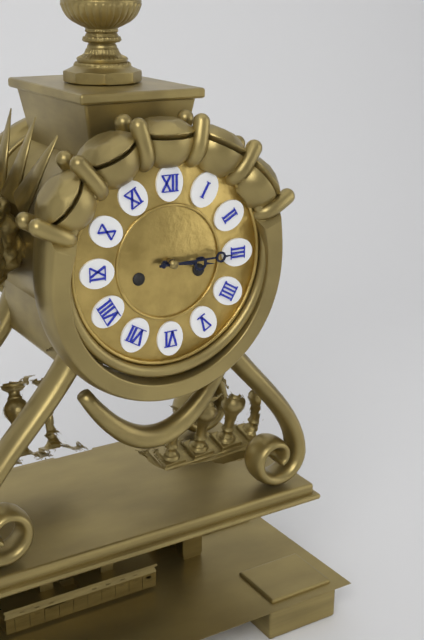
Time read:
3h15
